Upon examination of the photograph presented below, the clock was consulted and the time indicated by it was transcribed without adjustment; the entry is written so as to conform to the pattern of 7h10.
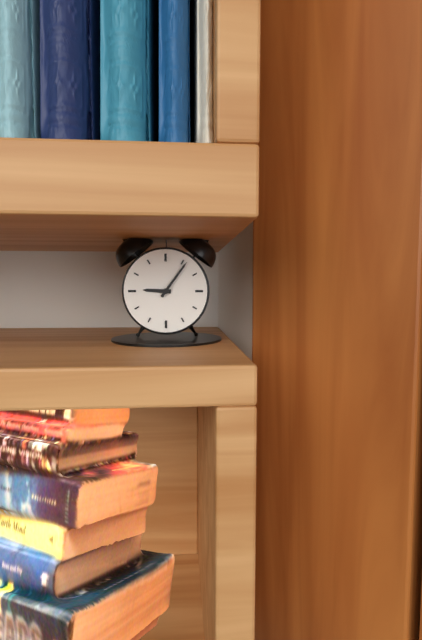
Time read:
9h06
